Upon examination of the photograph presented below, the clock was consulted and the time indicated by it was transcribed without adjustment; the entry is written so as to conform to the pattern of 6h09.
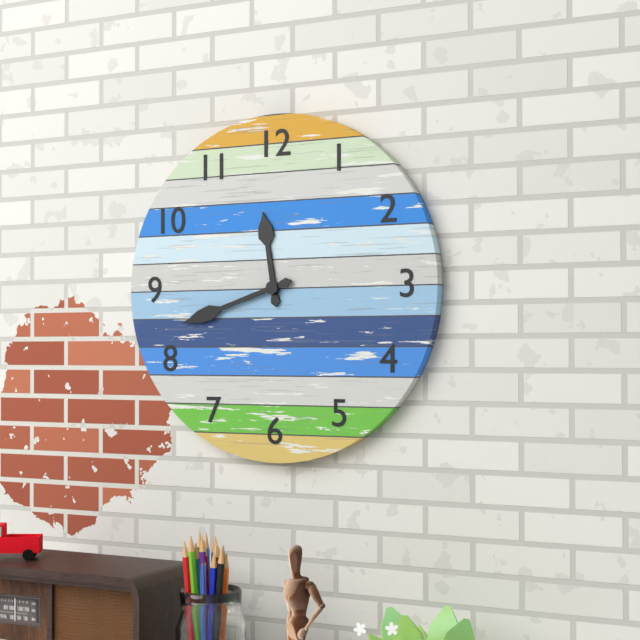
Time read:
11h42
